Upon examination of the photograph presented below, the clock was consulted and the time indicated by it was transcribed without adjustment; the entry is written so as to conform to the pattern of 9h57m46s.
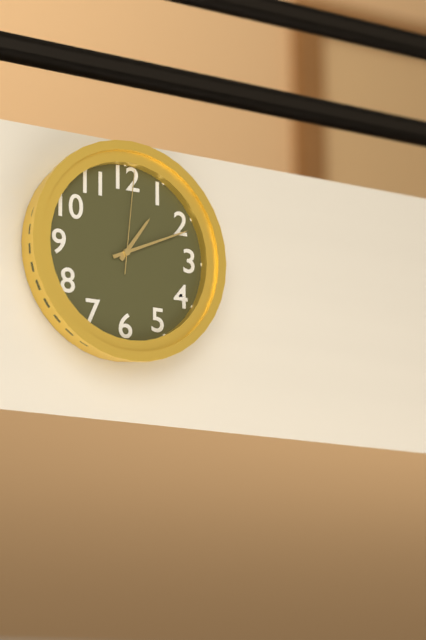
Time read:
1h11m01s
